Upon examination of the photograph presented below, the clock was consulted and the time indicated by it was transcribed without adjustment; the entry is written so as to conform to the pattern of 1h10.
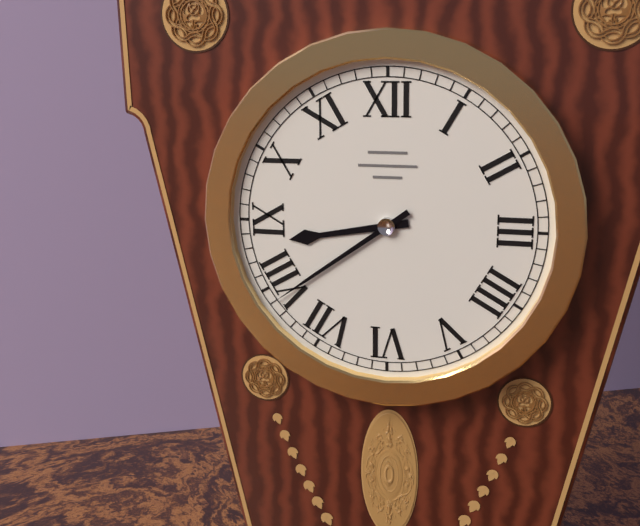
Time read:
8h39
